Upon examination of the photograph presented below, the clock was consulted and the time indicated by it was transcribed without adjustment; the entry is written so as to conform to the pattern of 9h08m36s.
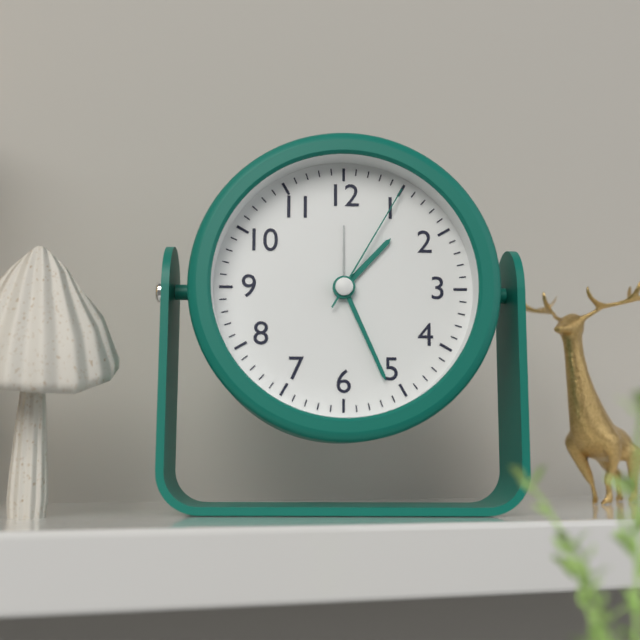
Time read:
1h26m05s
